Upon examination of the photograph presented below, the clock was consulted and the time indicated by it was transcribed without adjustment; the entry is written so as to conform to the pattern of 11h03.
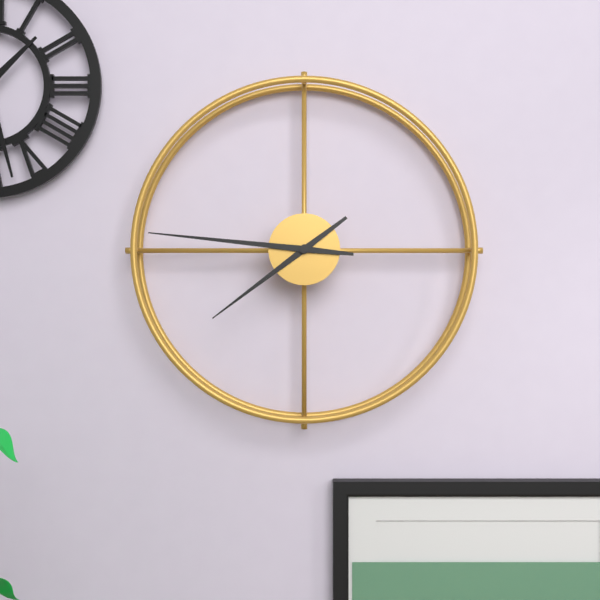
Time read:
7h46
